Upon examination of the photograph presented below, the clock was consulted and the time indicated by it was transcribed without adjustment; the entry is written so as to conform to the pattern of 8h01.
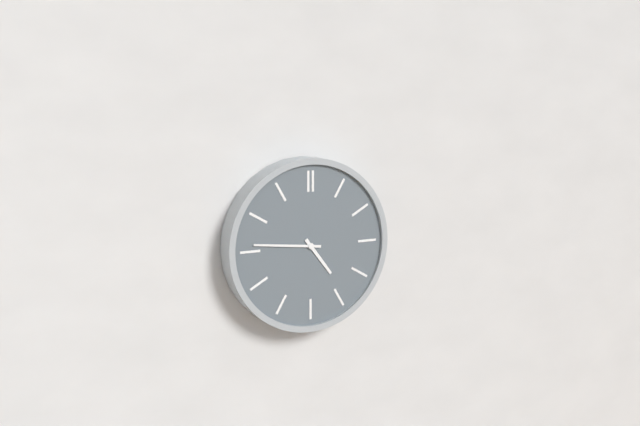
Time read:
4h46
